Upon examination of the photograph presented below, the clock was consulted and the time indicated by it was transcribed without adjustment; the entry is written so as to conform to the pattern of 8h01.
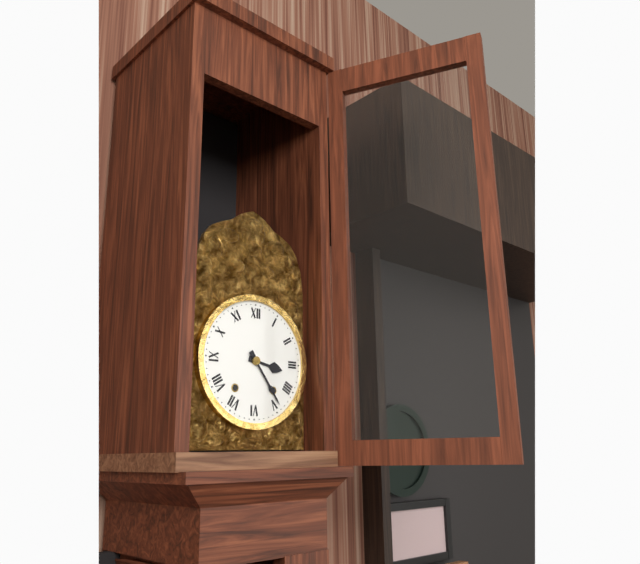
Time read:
3h24
